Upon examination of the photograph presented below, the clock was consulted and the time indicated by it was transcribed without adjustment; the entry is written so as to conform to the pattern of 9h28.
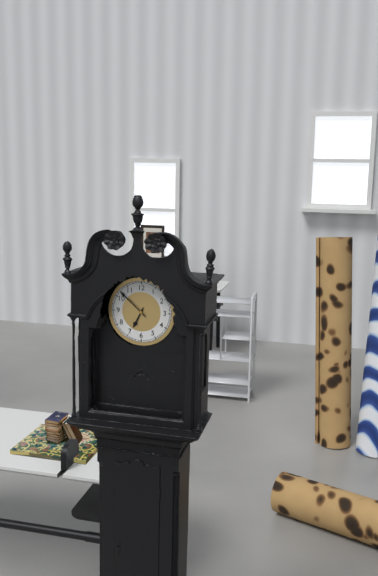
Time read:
6h52
